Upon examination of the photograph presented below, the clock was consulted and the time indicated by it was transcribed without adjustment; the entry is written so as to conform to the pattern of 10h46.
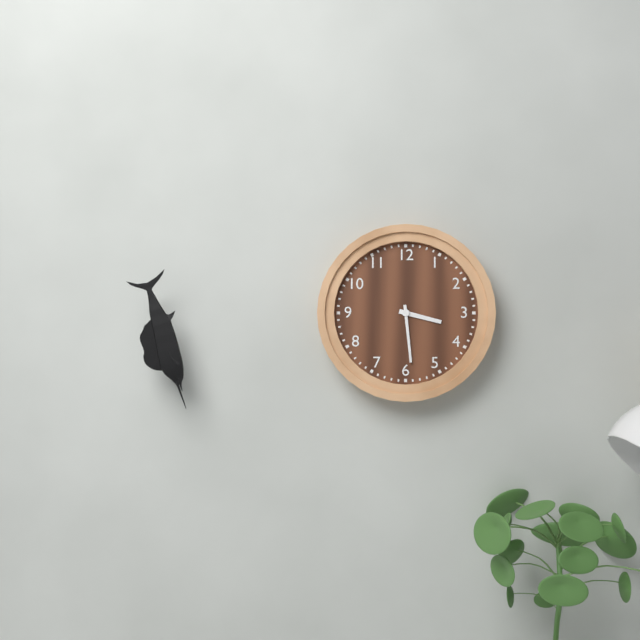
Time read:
3h29
